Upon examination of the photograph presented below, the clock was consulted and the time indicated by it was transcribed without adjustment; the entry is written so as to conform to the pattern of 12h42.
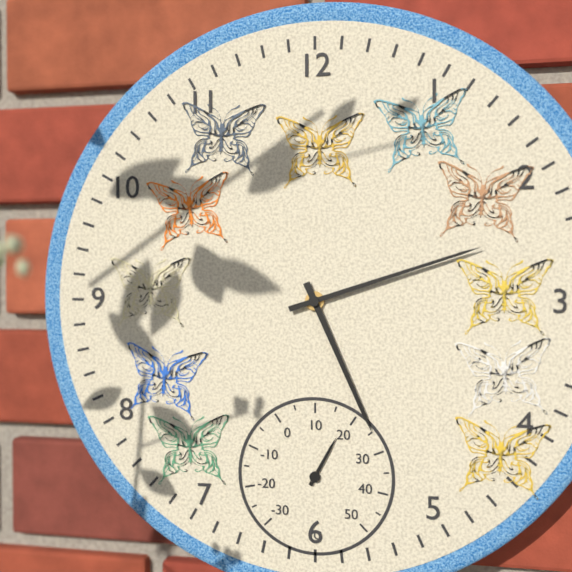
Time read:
5h12
